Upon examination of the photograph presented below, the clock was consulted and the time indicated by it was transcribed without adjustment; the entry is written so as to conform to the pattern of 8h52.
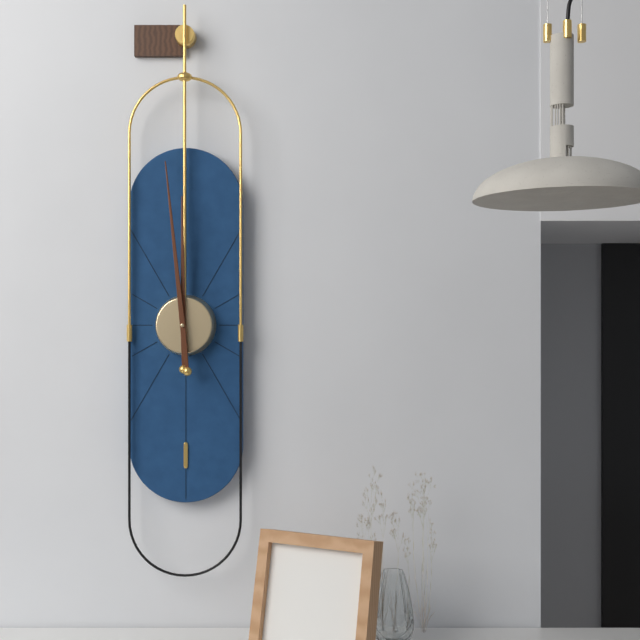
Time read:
11h59
